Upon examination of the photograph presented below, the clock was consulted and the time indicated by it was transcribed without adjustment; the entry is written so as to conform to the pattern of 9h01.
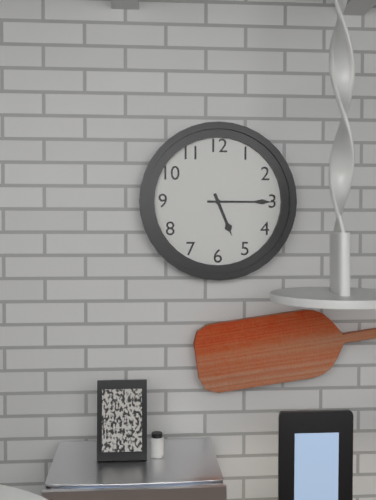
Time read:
5h15
